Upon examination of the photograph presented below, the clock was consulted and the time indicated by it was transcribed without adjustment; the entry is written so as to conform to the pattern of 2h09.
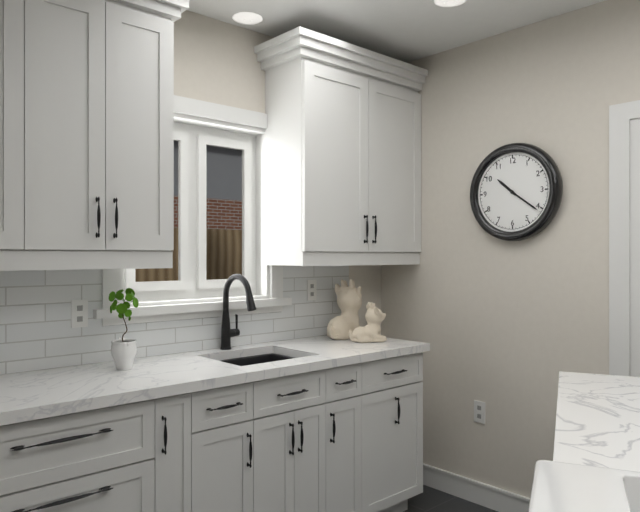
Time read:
10h21
